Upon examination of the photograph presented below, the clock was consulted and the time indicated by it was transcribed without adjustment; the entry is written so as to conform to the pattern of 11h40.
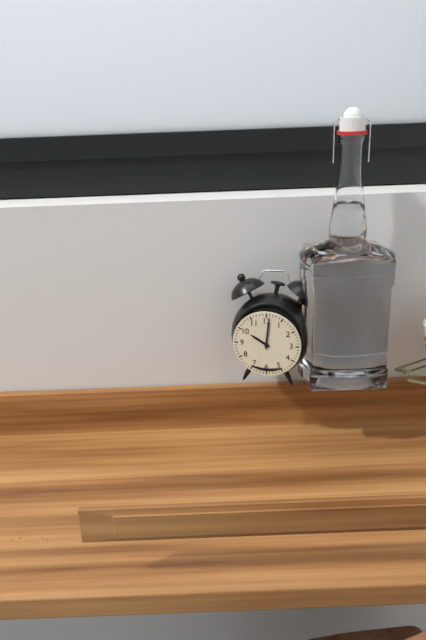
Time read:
10h01
